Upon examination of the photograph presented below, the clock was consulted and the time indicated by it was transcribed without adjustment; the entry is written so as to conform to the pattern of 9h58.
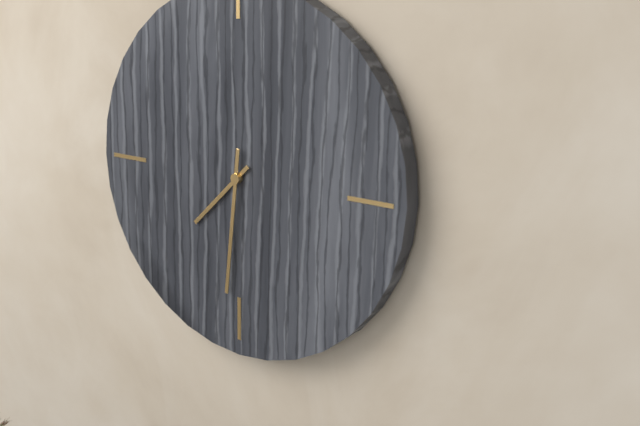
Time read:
7h31
